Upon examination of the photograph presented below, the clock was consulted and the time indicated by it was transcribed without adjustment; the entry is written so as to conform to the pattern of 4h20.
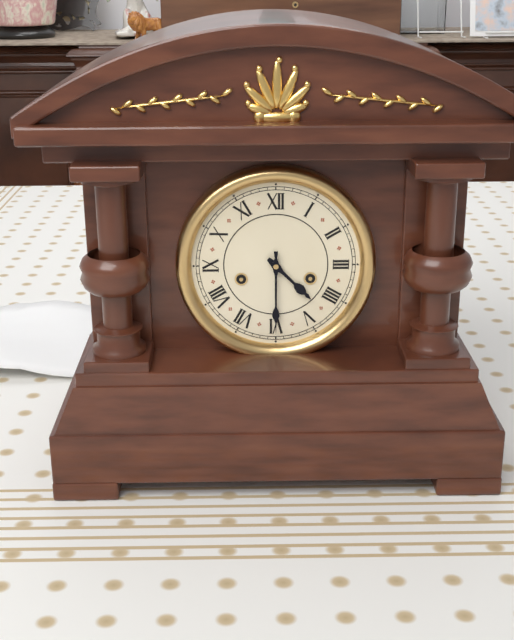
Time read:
4h30
